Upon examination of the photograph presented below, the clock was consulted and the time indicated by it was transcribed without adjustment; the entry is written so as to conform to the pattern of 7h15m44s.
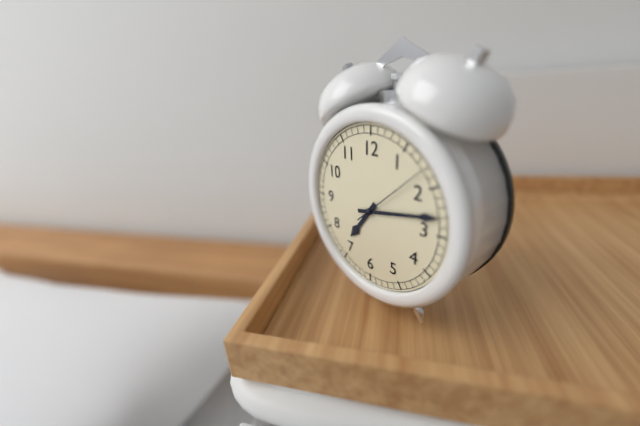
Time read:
7h13m08s
